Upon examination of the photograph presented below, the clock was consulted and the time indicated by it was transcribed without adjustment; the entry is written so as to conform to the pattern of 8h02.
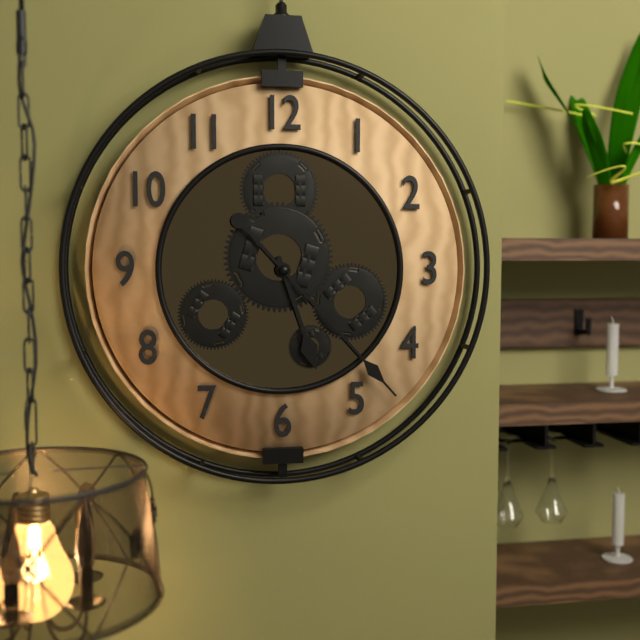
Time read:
5h23
